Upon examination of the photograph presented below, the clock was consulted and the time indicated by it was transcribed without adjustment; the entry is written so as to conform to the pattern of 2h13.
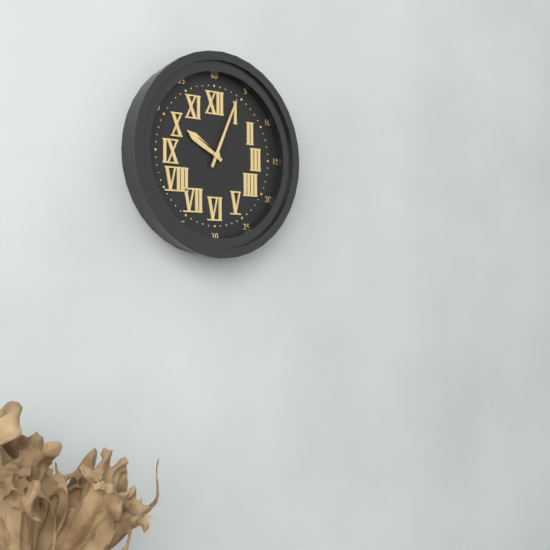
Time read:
10h04
